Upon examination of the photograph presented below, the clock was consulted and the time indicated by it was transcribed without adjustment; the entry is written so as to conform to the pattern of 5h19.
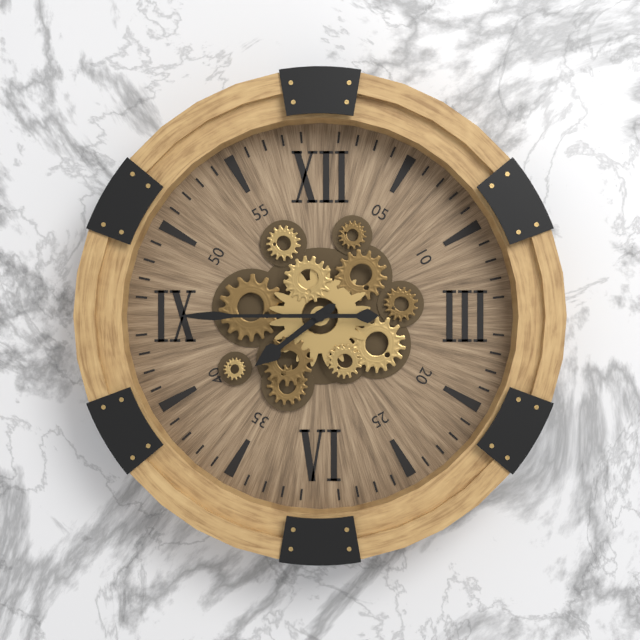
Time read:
7h45
